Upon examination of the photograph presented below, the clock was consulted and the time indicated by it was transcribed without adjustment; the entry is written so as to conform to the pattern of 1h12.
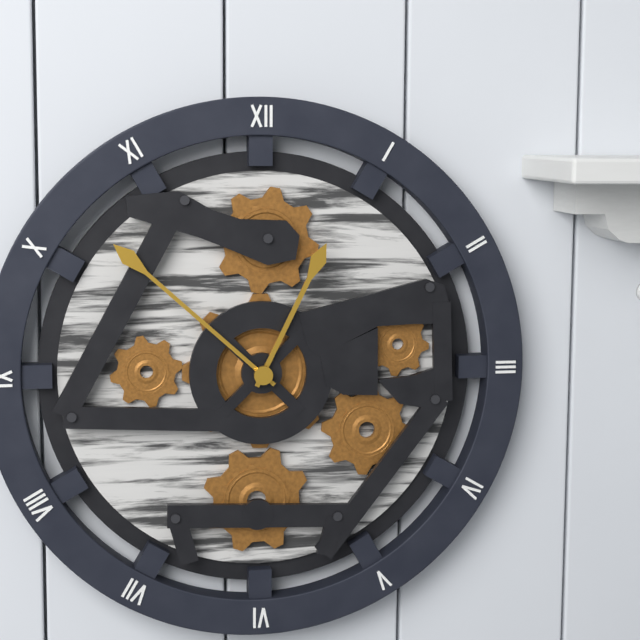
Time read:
12h52
